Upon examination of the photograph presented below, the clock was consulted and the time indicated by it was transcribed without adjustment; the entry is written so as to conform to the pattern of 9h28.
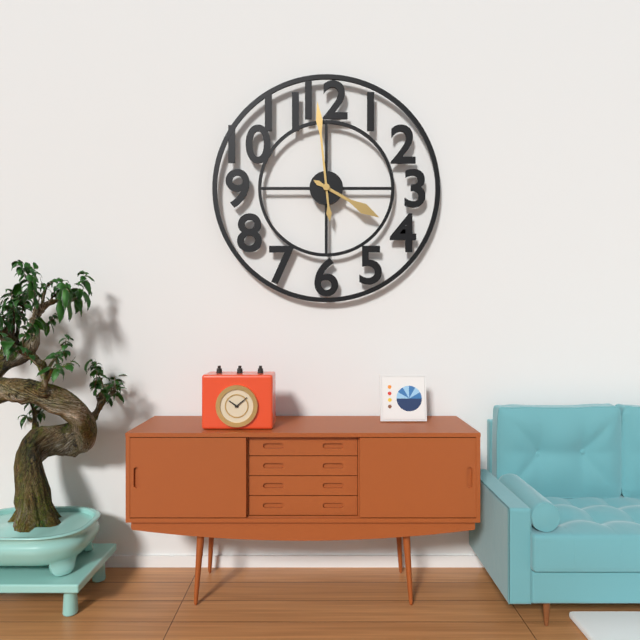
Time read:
3h59
